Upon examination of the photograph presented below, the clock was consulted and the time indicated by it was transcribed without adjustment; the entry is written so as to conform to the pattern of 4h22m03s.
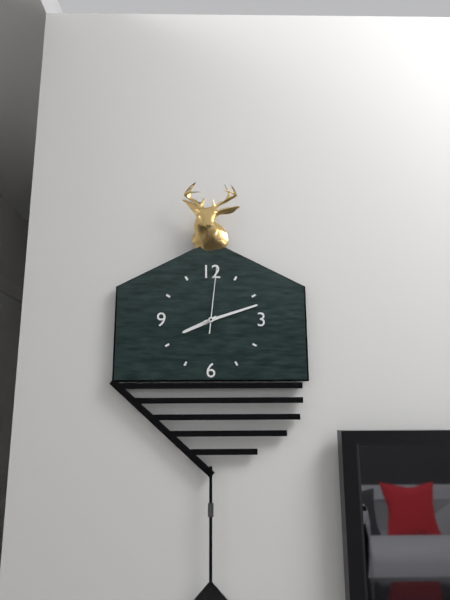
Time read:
8h12m01s
